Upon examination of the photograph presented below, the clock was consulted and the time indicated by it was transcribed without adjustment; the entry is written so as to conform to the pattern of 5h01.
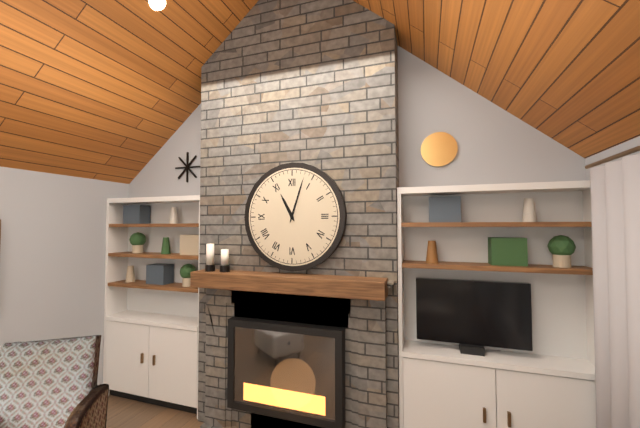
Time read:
11h03
